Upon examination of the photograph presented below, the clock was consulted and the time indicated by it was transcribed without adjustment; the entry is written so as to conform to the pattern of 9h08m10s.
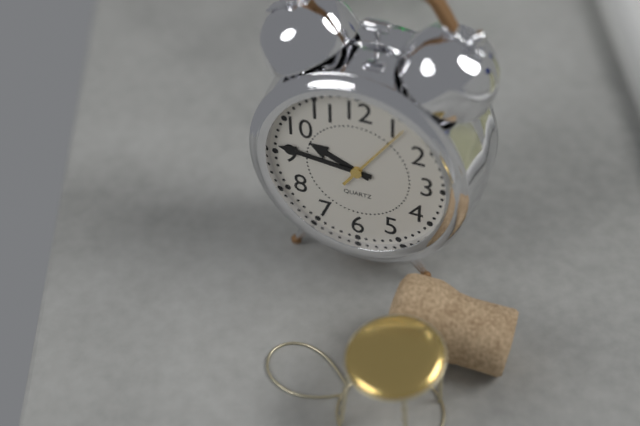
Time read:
9h46m06s
